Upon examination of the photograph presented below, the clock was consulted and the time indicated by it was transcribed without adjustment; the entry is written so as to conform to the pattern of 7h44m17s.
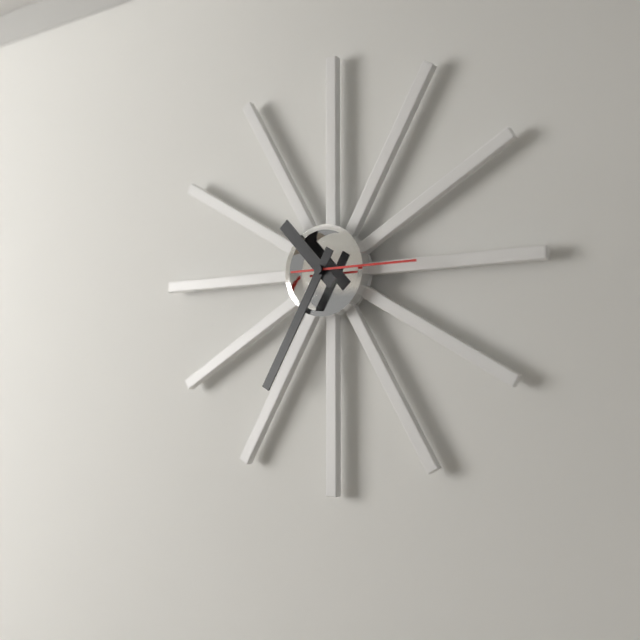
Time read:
10h35m15s
